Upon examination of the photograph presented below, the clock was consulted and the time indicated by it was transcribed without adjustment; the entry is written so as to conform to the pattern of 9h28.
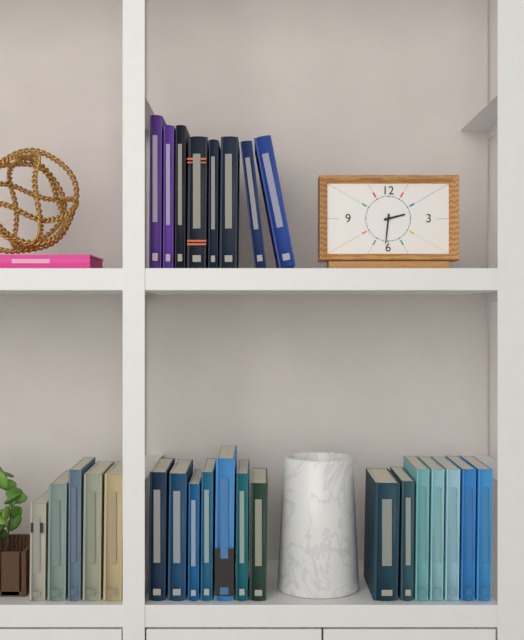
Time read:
2h31
